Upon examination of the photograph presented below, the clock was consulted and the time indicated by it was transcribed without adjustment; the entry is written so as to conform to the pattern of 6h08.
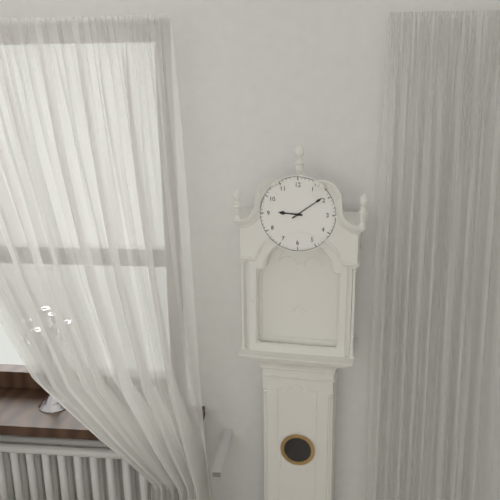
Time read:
9h09
